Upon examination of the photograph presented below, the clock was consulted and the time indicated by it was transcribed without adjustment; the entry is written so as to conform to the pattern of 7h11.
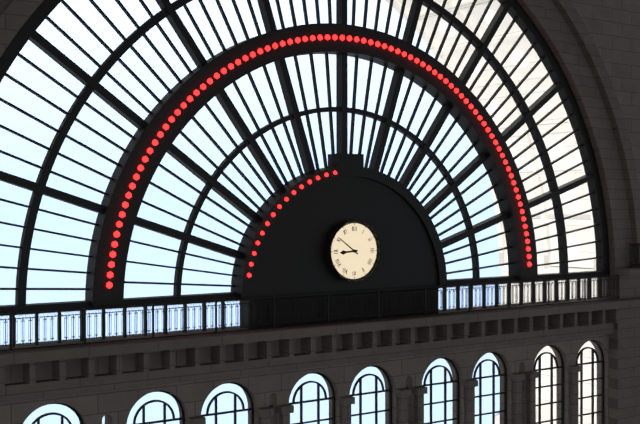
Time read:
8h51
